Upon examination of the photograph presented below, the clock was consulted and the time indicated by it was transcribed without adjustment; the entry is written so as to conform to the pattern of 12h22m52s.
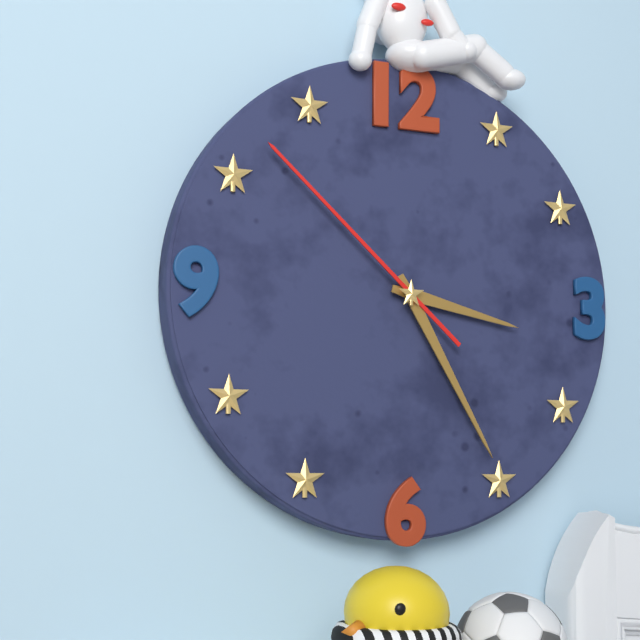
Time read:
3h25m52s
